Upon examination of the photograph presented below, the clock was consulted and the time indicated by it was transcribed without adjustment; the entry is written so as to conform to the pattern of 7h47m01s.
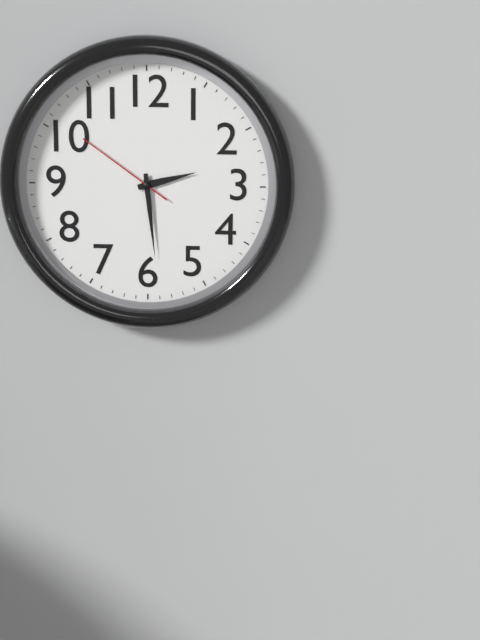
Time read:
2h29m51s
